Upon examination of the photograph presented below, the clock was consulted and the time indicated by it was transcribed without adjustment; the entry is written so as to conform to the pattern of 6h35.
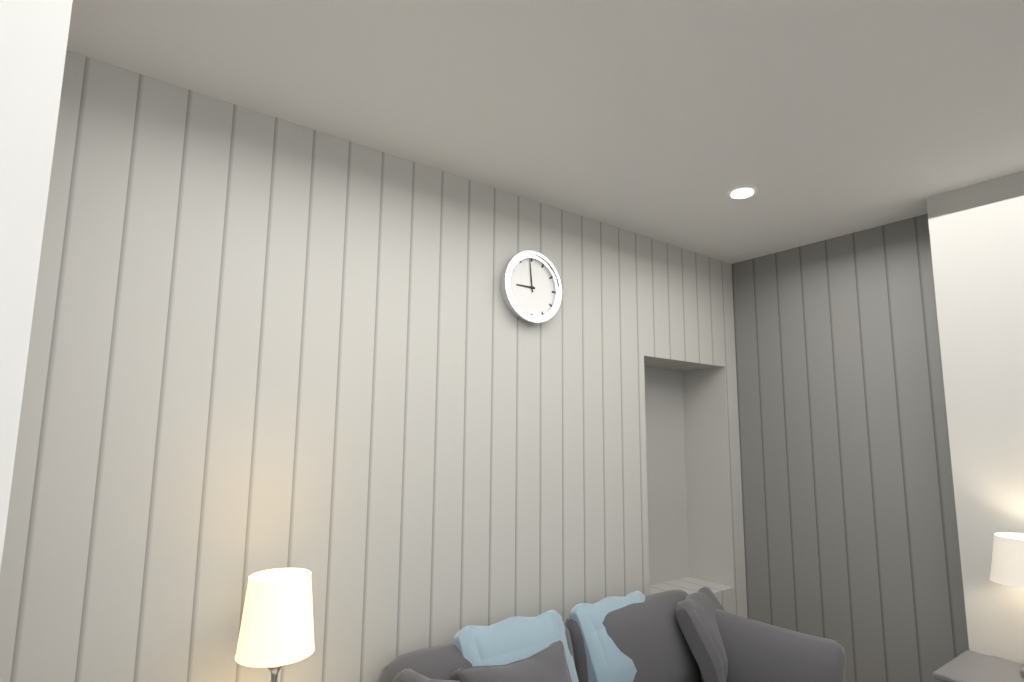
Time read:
8h59
